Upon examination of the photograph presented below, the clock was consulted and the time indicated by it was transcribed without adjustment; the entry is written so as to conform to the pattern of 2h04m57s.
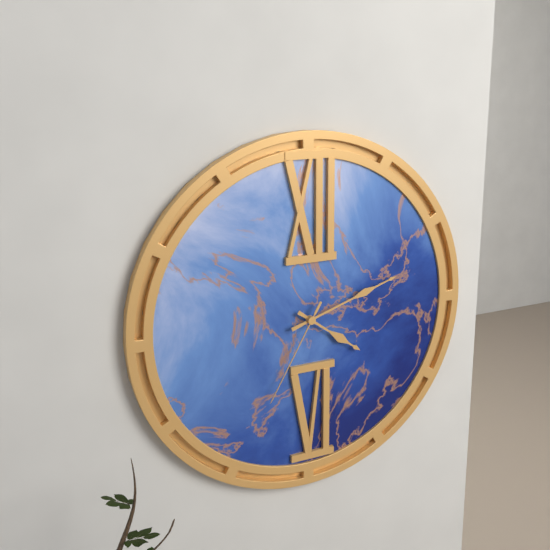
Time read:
4h12m35s
